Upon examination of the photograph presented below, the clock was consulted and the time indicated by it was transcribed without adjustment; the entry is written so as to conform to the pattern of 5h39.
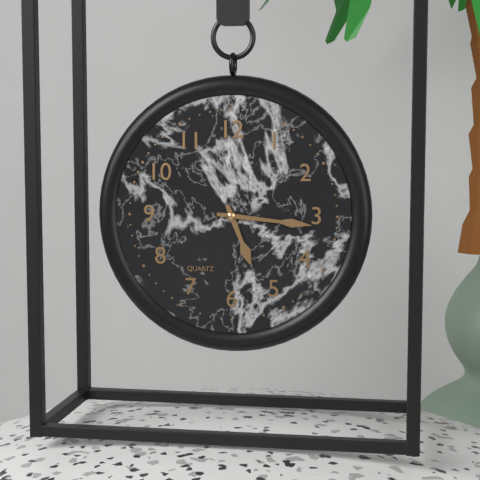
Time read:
5h16
